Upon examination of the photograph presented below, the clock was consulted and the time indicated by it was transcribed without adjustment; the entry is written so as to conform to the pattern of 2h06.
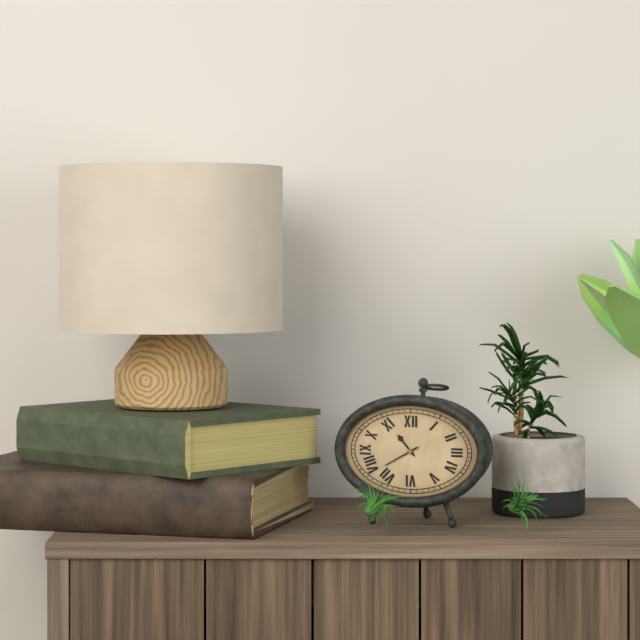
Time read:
10h40
